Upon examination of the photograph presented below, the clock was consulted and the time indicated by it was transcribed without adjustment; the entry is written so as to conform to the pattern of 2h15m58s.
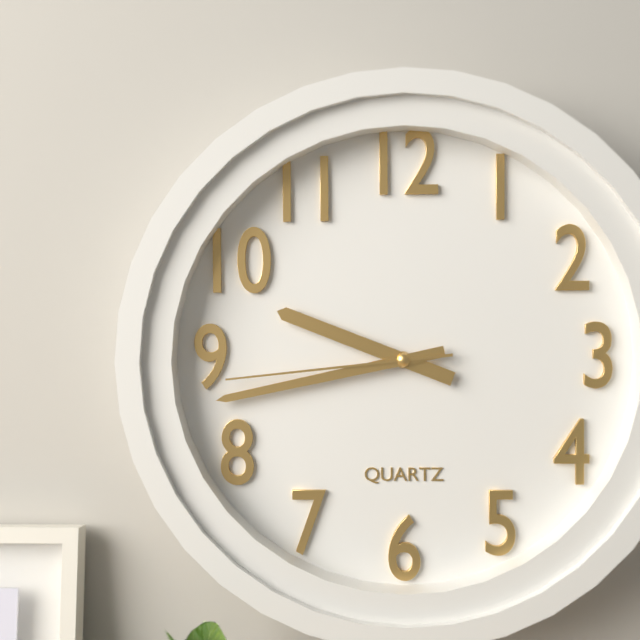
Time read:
9h43m44s
